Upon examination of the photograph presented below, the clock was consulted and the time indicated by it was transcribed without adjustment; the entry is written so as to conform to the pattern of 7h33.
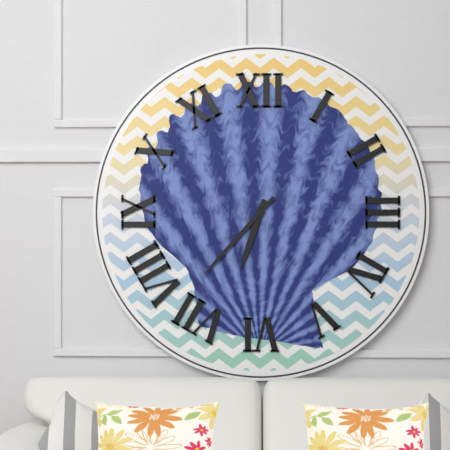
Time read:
6h37
